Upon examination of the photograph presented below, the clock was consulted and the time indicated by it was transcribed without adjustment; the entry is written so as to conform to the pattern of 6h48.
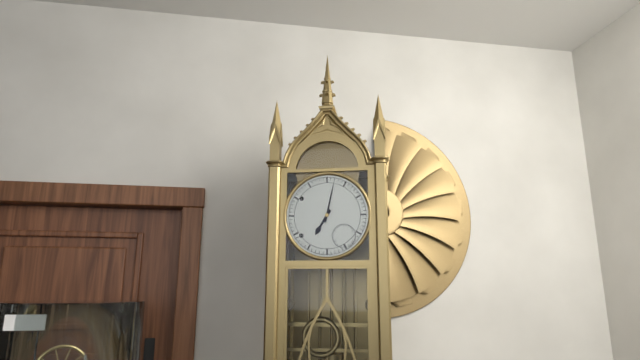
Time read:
7h02
